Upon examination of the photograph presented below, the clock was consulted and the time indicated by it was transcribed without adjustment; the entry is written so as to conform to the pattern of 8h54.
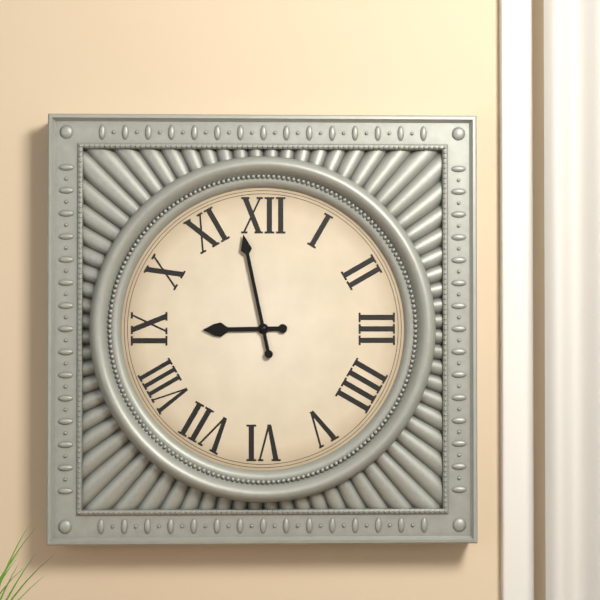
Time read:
8h58
